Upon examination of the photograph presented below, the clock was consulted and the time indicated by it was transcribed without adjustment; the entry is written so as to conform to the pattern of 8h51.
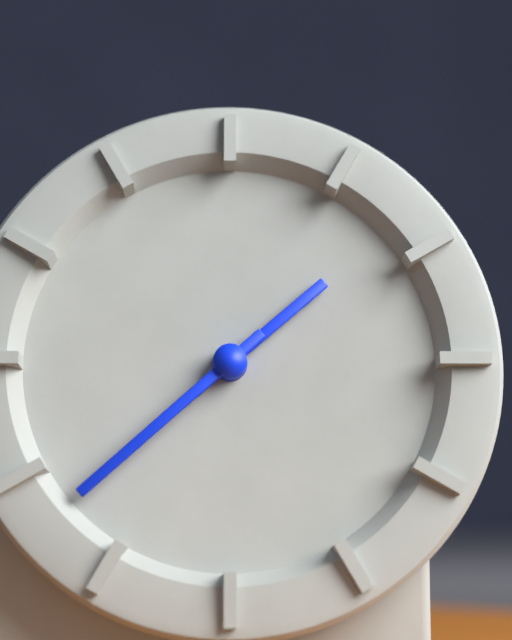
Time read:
1h38
